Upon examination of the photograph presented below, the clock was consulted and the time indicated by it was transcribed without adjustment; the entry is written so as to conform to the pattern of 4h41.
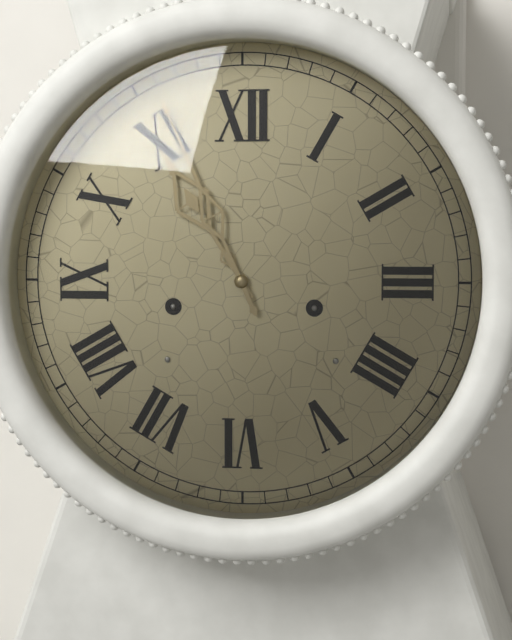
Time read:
10h56
